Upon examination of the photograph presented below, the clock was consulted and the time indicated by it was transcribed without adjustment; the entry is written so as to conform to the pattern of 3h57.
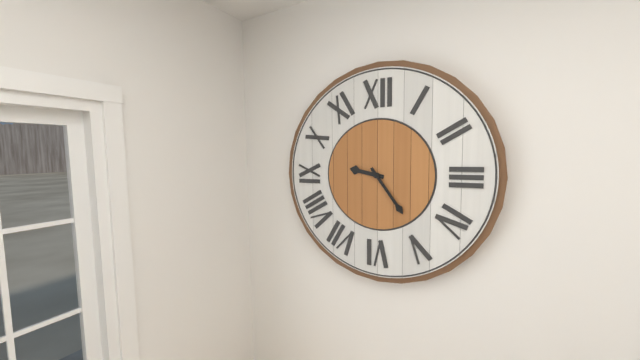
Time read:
9h24
